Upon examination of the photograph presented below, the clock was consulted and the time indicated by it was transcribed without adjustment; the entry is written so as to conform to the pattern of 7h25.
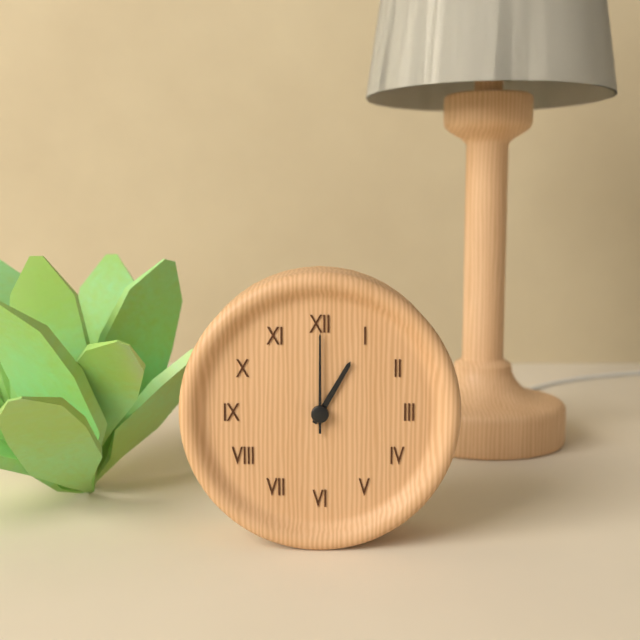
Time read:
1h00
